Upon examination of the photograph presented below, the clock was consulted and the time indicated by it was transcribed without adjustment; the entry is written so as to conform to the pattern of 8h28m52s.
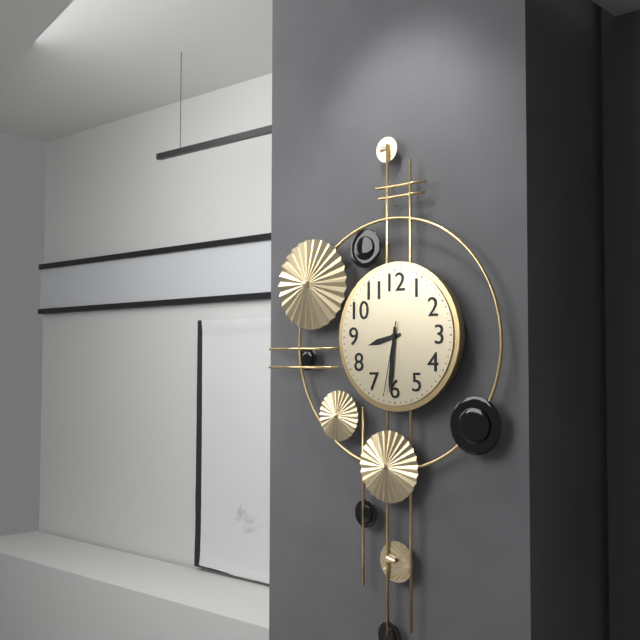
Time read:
8h31m32s
